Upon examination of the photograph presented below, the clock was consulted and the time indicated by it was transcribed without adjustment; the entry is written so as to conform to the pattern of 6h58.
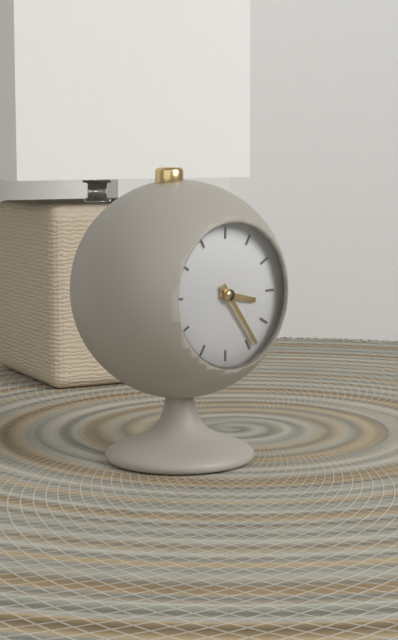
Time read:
3h24
